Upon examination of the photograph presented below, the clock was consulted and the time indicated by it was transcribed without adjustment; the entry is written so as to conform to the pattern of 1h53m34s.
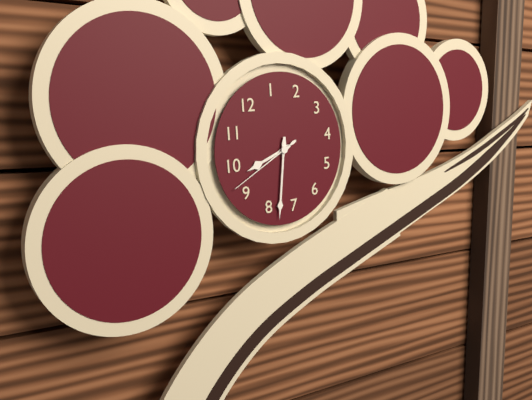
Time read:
9h38m47s
